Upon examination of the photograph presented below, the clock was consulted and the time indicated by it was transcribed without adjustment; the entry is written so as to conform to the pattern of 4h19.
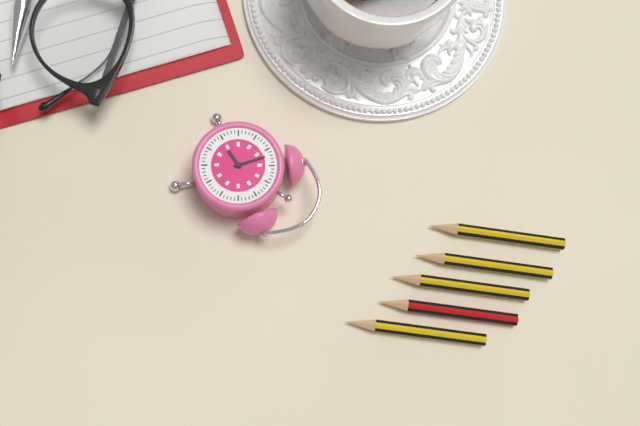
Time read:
6h52
